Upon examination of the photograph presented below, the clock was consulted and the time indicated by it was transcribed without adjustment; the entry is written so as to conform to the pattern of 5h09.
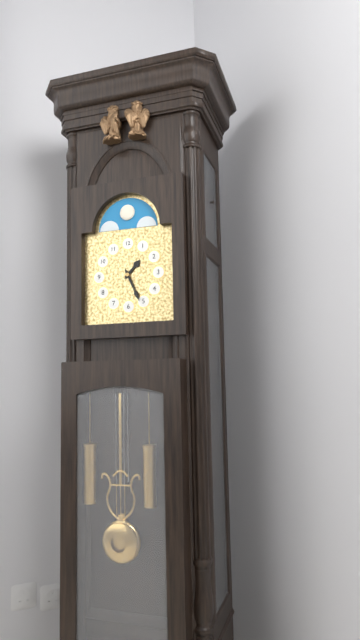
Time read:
1h26
